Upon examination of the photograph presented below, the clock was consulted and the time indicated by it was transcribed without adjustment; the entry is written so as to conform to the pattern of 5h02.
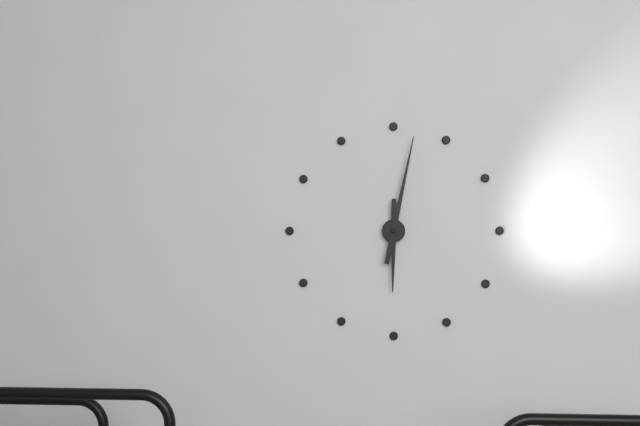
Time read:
6h02
